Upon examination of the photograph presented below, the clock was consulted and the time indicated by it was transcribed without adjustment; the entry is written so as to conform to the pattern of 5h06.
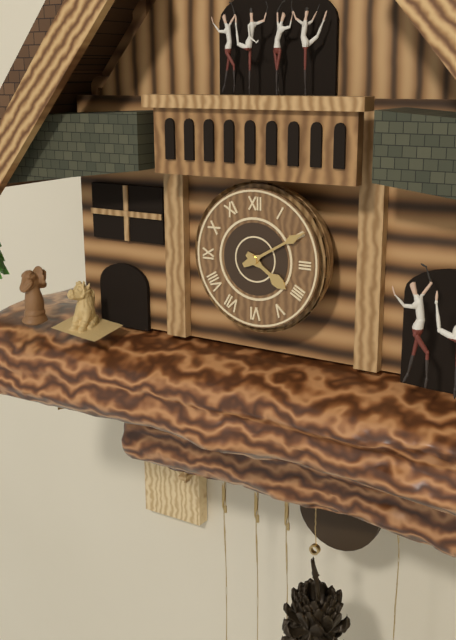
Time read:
4h10
